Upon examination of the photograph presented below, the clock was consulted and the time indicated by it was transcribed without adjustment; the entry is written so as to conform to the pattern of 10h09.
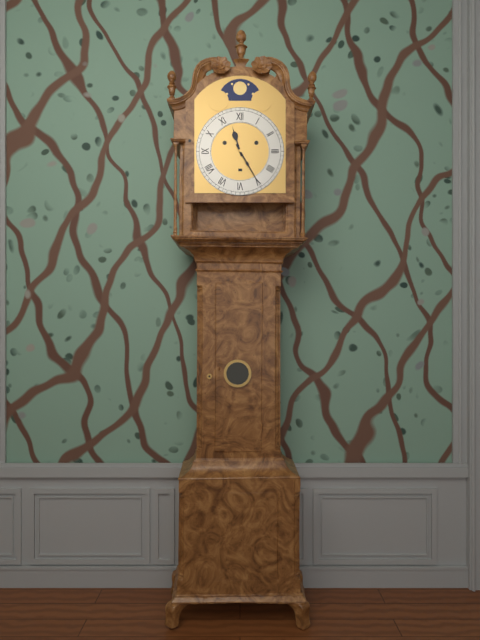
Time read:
11h25
